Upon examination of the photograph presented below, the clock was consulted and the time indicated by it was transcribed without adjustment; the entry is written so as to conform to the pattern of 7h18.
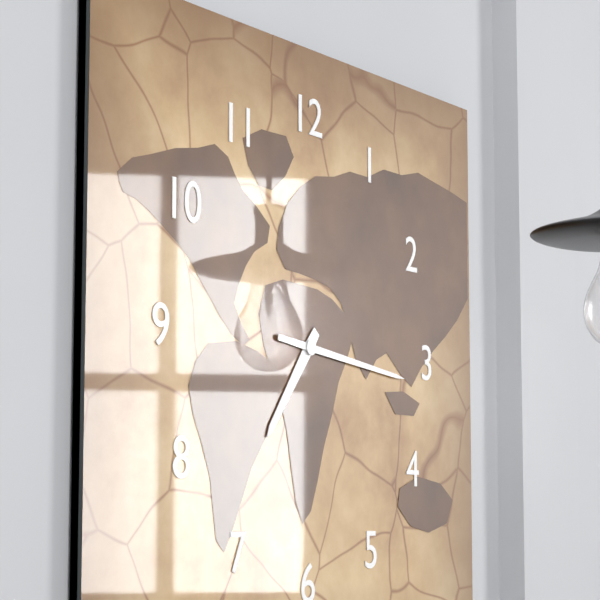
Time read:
7h16
